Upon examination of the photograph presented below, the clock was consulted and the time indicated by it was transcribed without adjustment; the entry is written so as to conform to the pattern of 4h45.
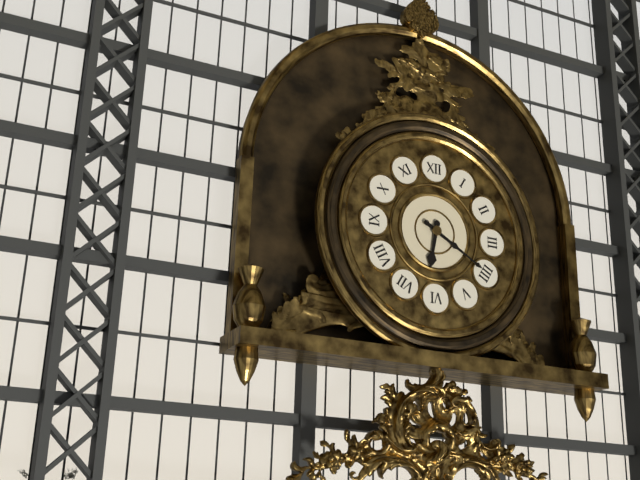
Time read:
6h20
